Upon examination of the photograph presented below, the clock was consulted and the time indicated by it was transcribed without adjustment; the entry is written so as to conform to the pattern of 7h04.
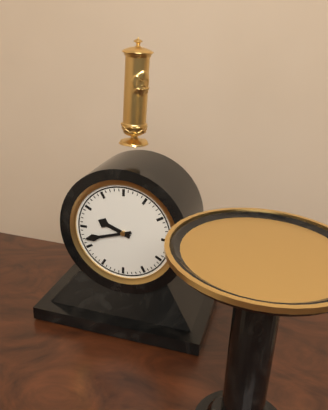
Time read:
9h42
